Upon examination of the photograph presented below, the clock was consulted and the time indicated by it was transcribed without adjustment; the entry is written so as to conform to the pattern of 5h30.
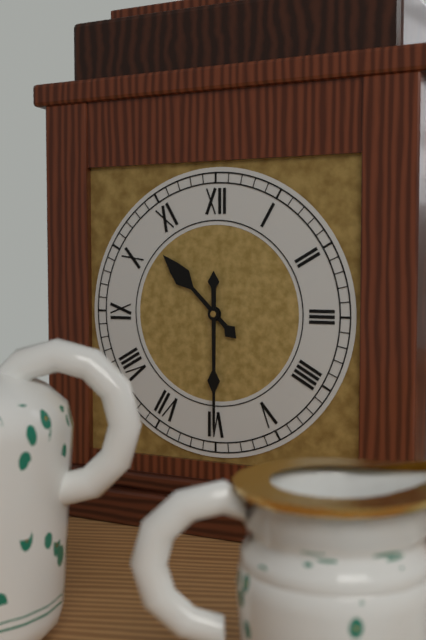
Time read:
10h30
